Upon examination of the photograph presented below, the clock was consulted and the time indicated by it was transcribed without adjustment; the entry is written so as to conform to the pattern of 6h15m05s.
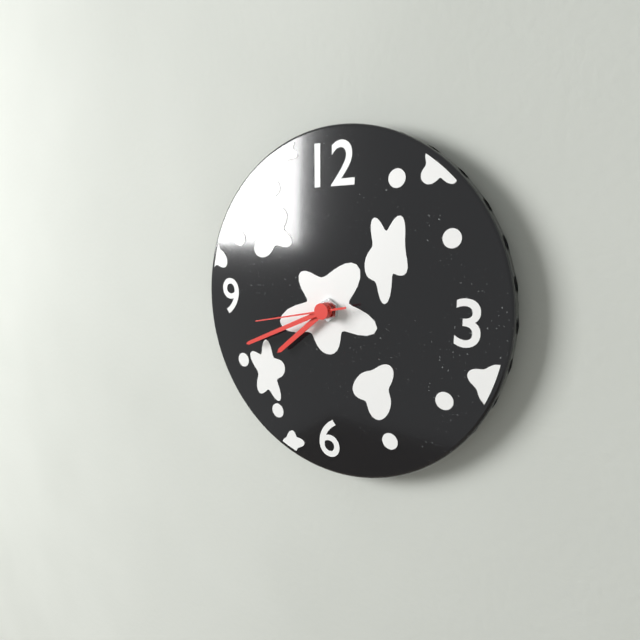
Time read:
7h41m43s
